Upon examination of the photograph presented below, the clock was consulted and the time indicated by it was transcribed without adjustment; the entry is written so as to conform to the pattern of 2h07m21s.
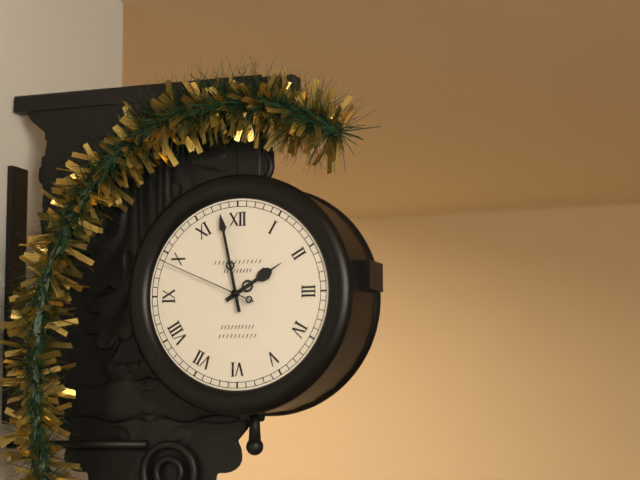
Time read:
1h58m49s
